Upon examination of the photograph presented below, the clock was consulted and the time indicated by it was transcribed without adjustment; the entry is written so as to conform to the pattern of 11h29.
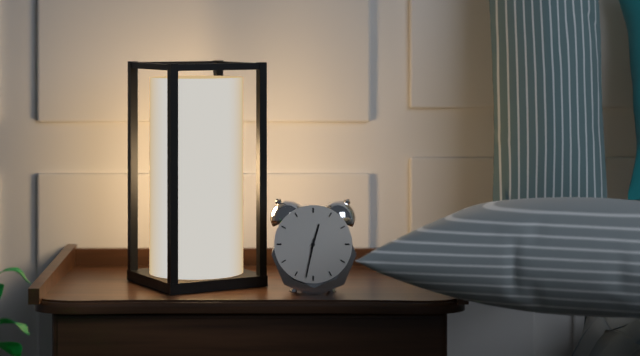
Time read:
12h32
